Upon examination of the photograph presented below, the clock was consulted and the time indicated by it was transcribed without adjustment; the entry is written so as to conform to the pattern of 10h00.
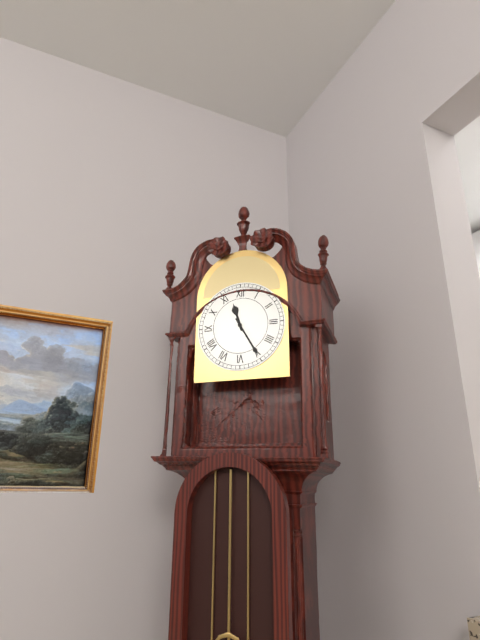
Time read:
11h25
